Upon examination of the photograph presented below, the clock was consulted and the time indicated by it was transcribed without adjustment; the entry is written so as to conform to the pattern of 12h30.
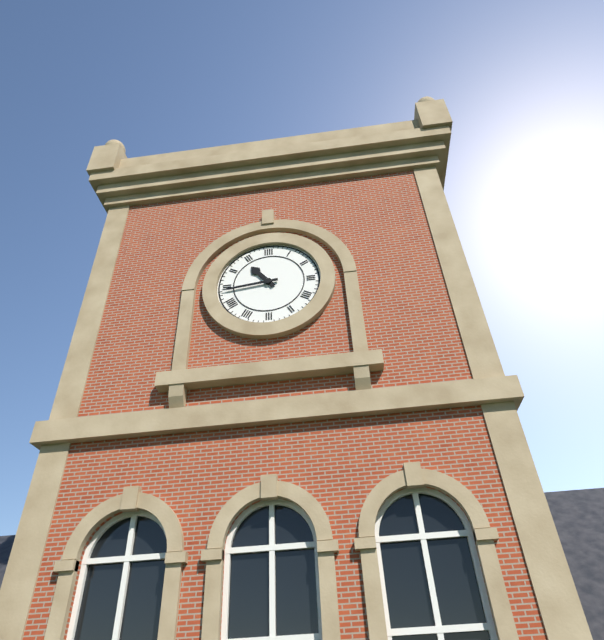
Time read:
10h44
